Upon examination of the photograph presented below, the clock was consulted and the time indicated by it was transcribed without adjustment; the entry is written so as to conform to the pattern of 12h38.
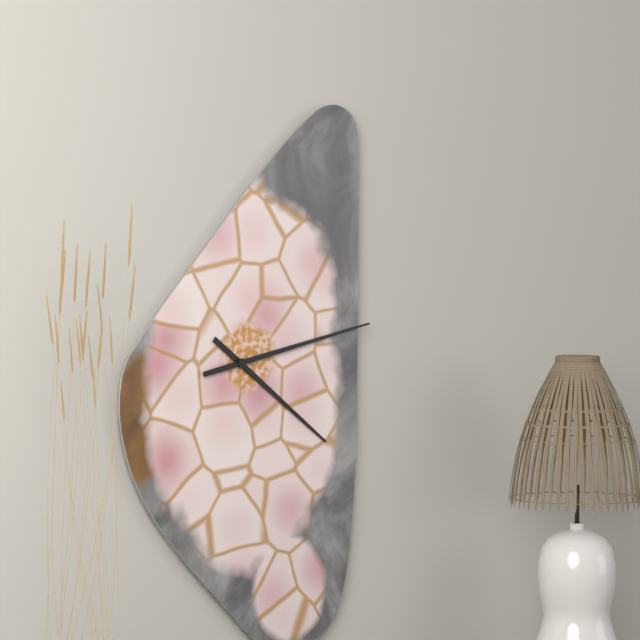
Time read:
4h13
